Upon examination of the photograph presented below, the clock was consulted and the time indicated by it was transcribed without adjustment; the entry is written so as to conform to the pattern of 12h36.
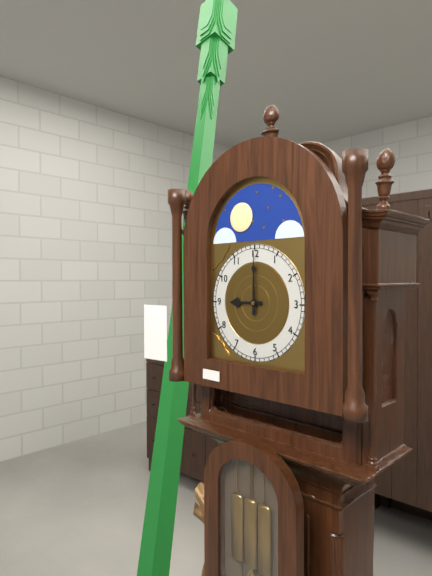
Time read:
9h00
